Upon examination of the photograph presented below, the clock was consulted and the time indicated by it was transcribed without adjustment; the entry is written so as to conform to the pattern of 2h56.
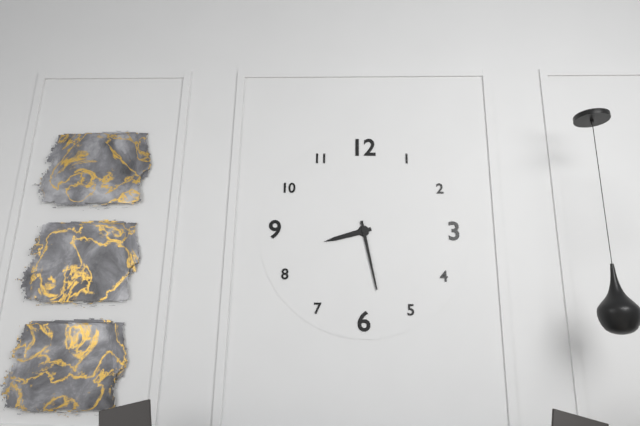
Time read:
8h28
